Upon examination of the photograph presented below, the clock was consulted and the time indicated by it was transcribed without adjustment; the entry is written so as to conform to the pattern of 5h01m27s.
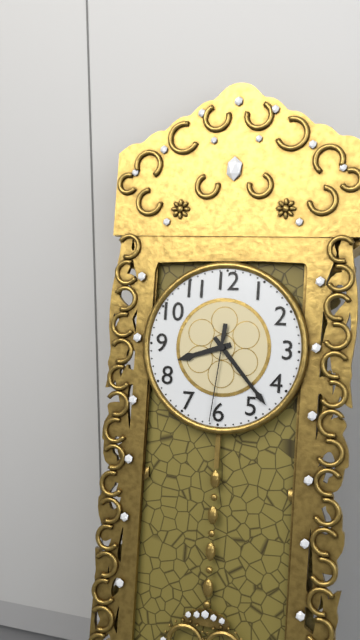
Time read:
8h23m31s
